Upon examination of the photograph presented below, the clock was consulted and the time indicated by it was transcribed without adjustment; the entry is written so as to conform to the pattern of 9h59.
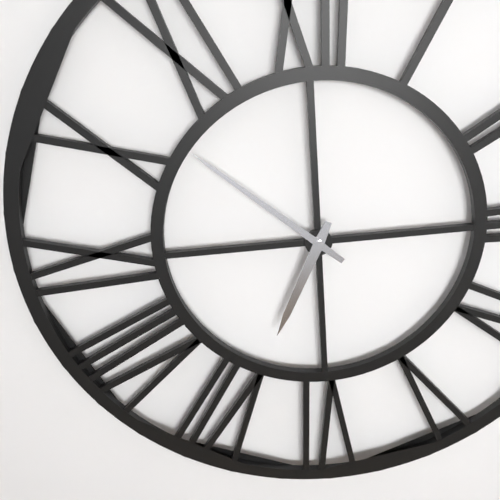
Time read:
6h52
